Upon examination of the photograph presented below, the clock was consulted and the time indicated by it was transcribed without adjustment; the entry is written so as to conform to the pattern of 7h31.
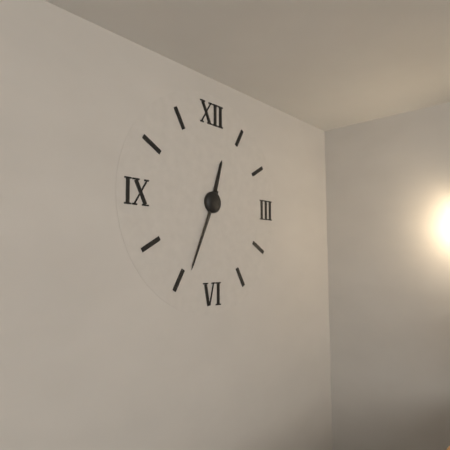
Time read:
12h34
